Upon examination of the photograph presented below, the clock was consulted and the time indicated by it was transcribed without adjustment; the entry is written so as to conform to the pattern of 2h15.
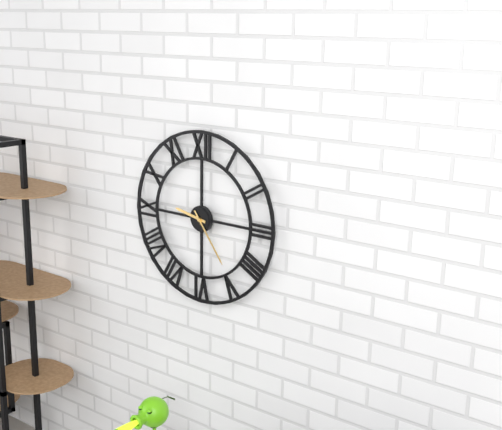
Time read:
9h24
